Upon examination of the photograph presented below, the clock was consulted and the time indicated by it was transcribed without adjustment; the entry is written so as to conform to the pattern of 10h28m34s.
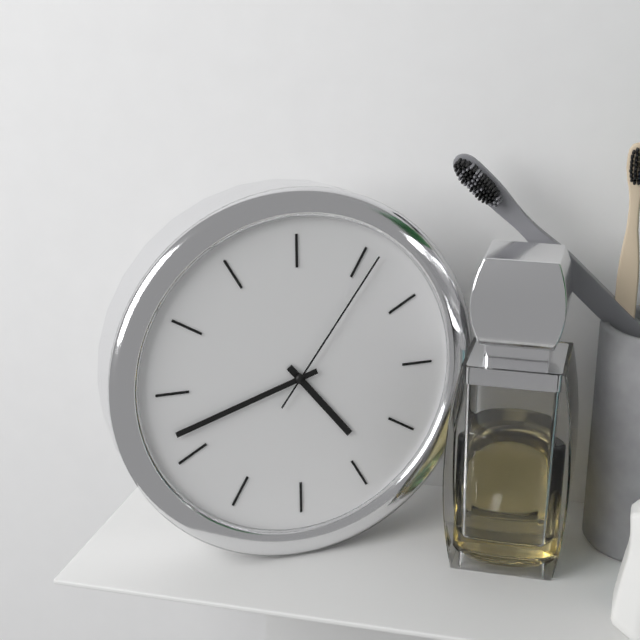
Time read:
4h42m06s
